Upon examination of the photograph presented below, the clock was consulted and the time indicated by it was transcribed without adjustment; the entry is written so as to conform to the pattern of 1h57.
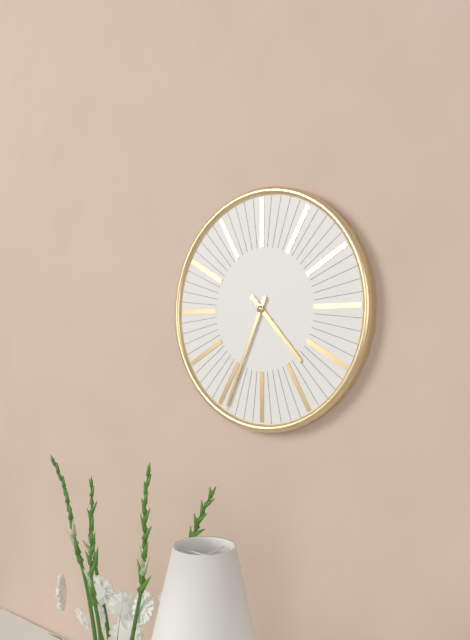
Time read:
4h34
